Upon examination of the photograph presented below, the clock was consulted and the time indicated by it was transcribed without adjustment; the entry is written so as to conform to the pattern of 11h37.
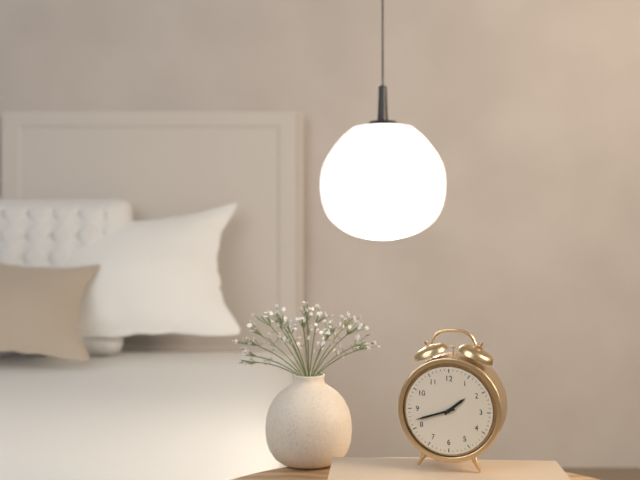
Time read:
1h42
